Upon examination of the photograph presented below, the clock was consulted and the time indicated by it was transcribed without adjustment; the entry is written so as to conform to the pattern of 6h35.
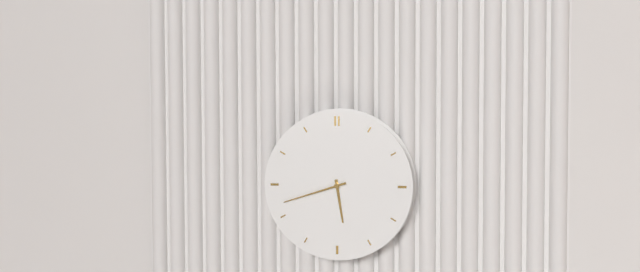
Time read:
5h42
